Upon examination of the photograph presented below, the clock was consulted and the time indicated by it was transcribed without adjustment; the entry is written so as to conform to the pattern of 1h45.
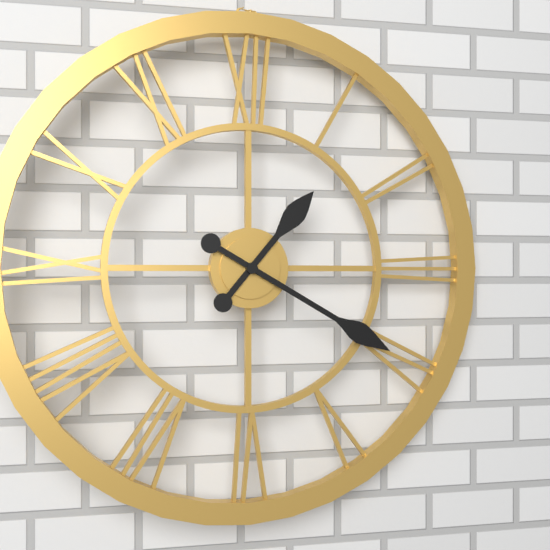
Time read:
1h20
